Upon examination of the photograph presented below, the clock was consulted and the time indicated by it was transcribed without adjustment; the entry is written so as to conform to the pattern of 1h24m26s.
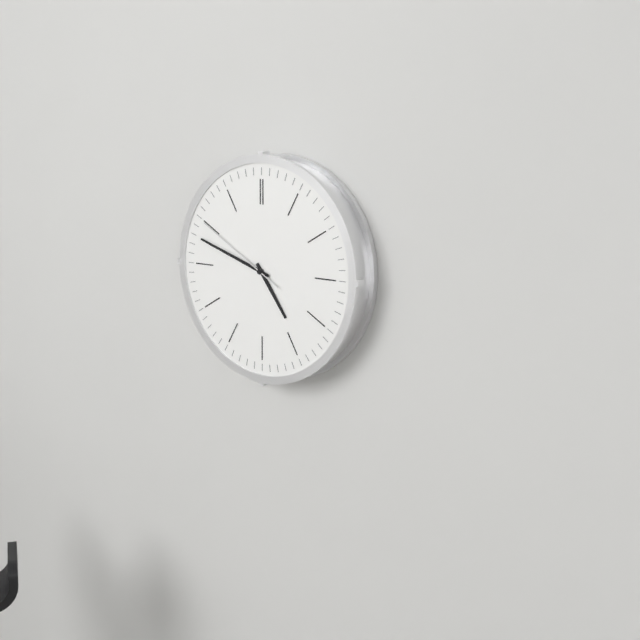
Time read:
4h48m50s
